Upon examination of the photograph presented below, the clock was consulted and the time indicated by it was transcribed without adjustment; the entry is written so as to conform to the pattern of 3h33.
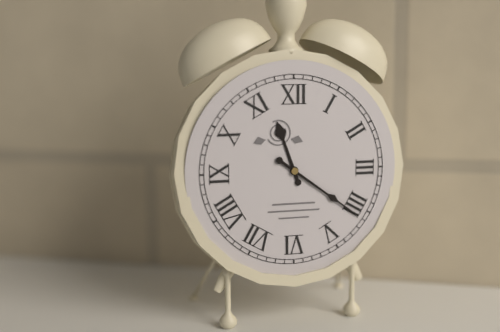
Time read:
11h21
